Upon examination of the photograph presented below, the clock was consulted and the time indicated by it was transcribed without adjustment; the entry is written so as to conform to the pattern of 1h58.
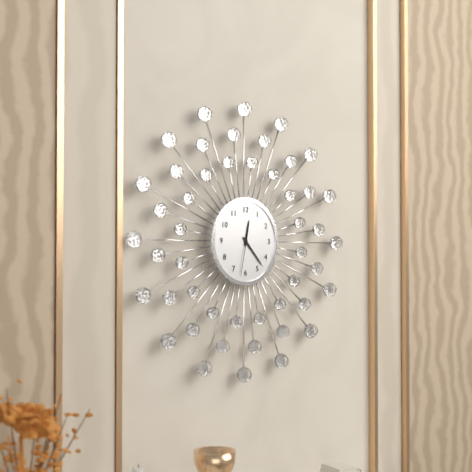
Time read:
12h23
